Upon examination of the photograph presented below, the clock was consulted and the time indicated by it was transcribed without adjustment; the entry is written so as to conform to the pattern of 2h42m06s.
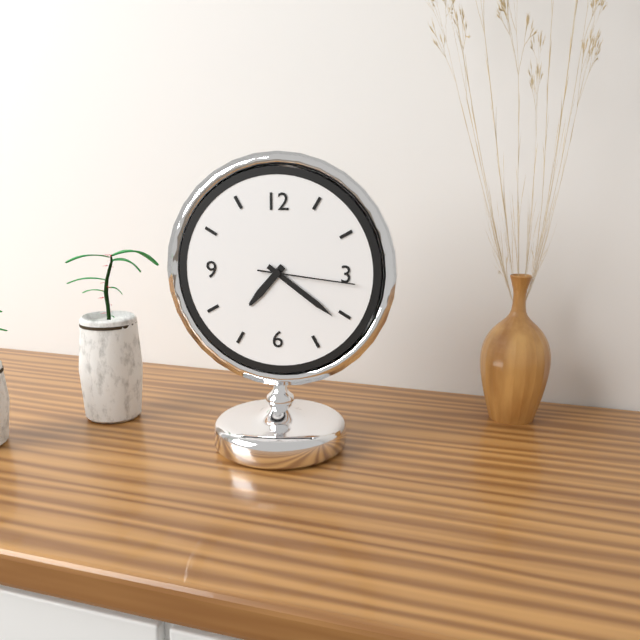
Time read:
7h21m16s
